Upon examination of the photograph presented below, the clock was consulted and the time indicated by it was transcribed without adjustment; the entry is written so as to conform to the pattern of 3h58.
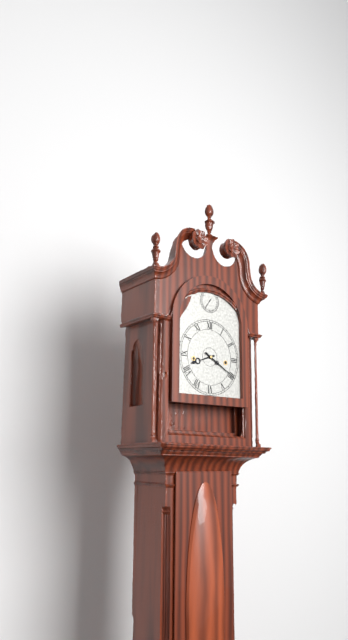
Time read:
8h20
